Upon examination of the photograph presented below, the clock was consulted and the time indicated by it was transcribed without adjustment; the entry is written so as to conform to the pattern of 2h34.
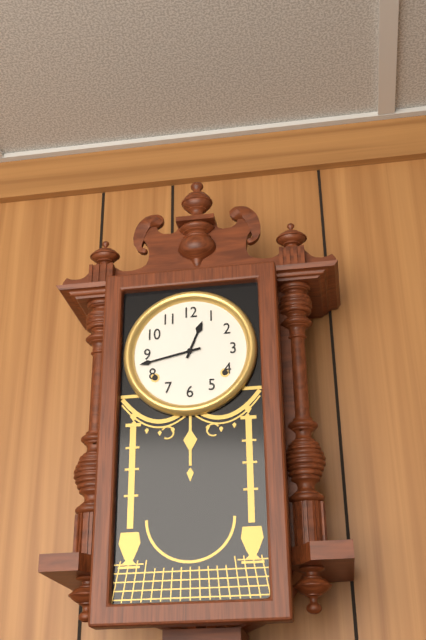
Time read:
12h43
